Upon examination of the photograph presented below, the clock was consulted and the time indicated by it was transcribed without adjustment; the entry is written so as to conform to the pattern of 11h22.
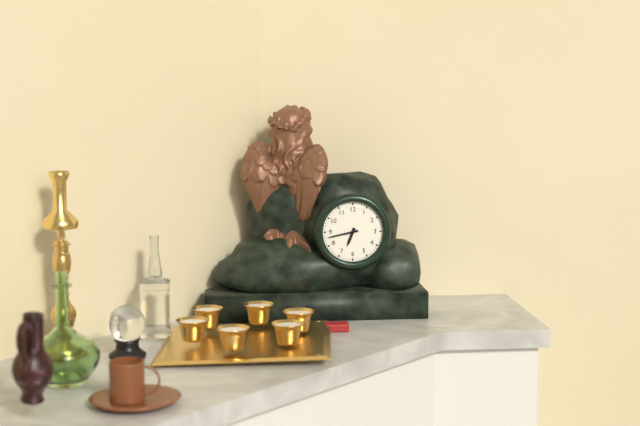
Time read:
6h43
